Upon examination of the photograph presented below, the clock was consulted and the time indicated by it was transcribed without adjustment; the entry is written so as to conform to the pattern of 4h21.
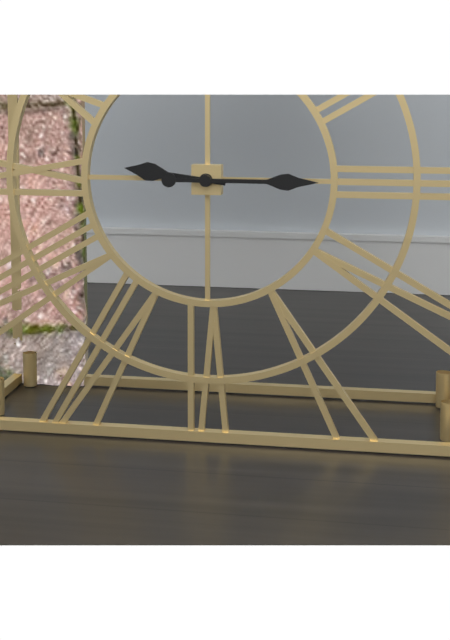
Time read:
9h15
